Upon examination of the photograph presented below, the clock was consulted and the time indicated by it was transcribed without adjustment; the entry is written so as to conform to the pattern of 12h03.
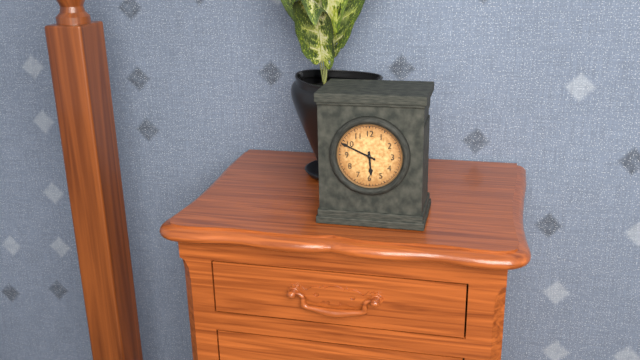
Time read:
5h49
